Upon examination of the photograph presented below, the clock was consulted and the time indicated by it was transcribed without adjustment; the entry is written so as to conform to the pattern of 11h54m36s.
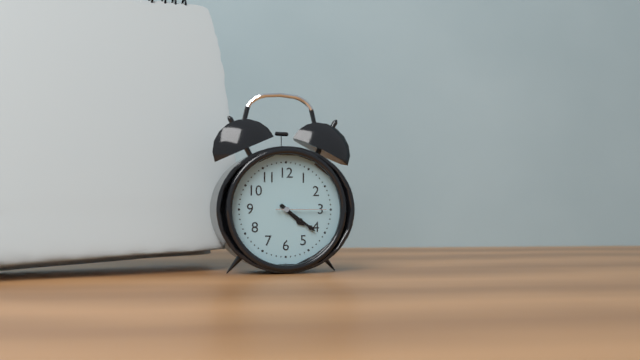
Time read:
4h21m15s
